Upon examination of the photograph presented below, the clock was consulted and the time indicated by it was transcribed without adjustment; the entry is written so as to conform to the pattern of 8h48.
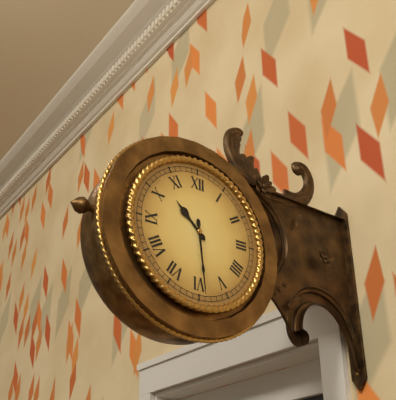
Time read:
10h29
